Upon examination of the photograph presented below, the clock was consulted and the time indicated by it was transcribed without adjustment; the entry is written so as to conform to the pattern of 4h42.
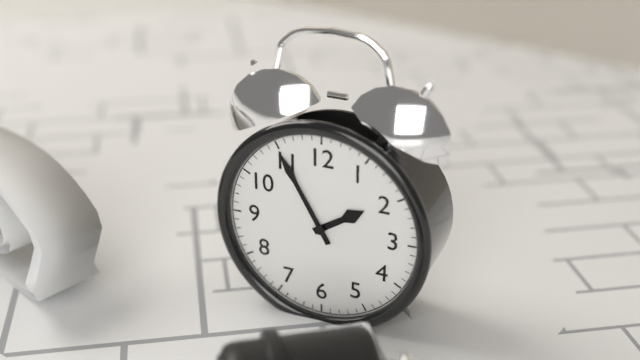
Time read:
1h55
